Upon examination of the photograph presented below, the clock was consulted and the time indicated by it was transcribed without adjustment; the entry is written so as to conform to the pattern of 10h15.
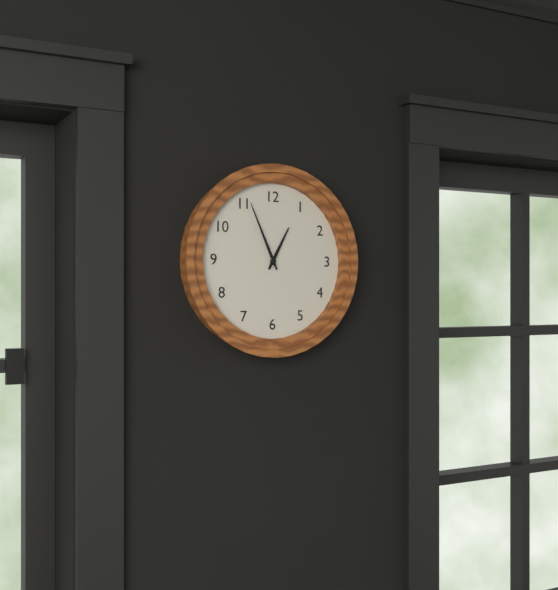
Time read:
12h56
